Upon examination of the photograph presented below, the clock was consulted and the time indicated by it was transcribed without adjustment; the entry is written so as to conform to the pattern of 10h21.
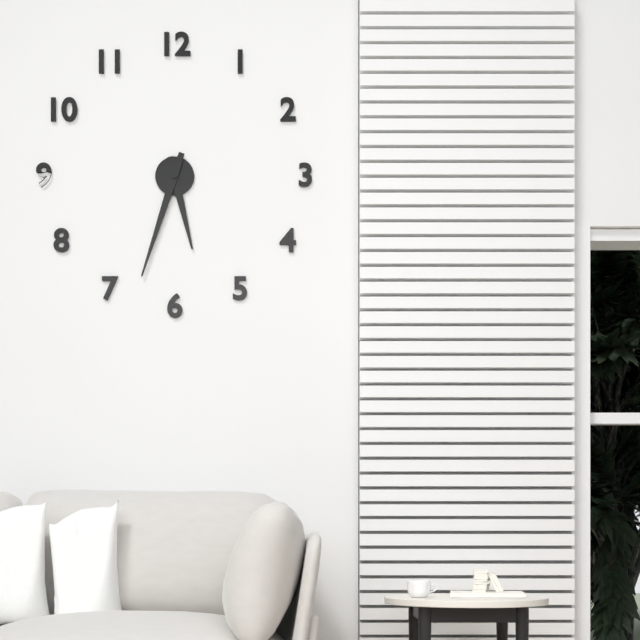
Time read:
5h33
